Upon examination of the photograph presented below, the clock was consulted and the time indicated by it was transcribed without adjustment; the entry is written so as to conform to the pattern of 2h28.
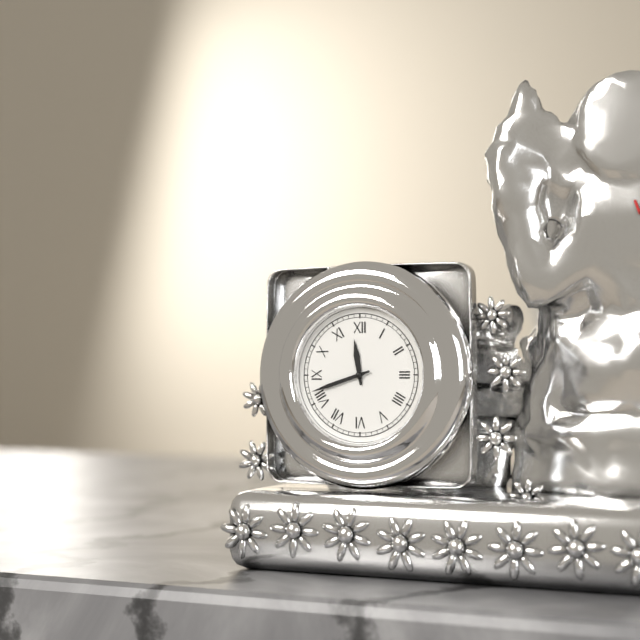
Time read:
11h42
